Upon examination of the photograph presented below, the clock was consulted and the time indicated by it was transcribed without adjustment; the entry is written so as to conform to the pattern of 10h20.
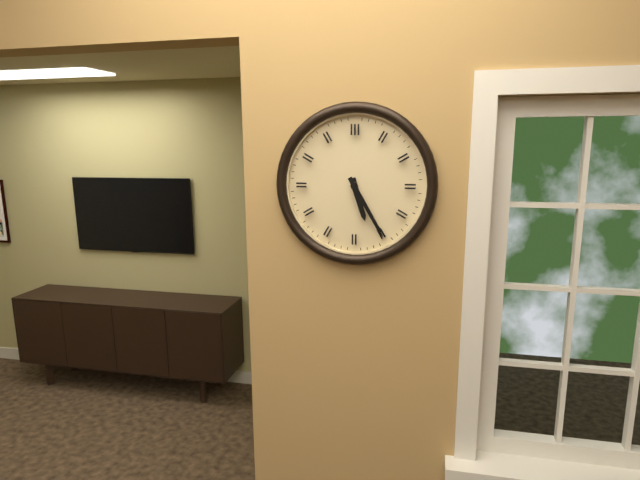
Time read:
5h25
